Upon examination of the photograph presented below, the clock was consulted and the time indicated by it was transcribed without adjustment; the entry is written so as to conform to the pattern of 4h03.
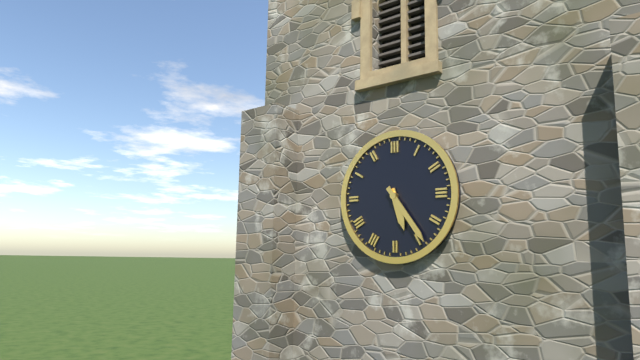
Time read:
5h24
